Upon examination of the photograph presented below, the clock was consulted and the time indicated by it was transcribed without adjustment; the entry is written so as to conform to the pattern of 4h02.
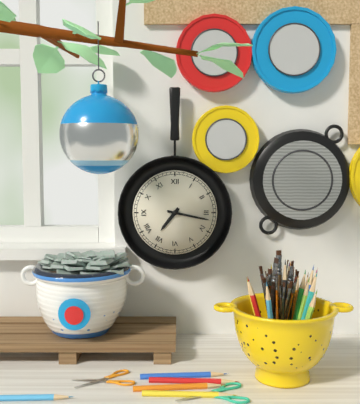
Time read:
7h17
